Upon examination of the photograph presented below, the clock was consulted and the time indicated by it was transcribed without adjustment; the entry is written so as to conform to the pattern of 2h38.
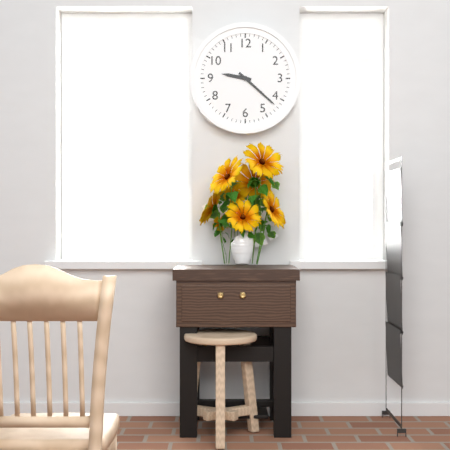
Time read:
9h22
